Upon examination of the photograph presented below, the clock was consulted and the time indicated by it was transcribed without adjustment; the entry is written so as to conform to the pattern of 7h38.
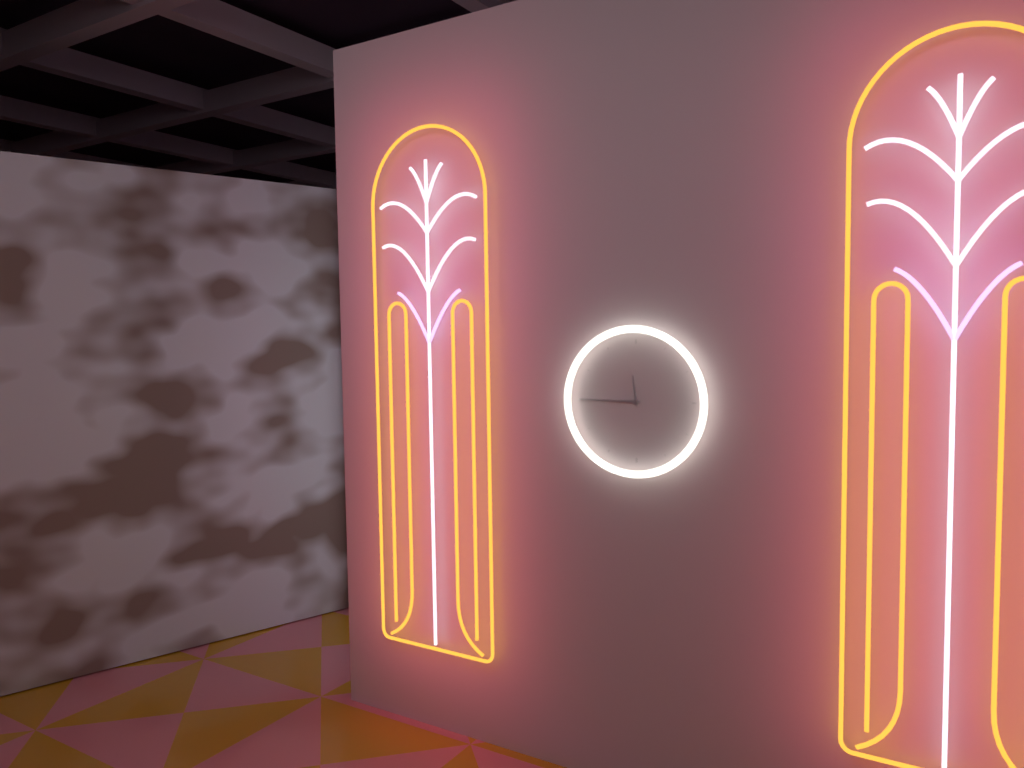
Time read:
11h45
